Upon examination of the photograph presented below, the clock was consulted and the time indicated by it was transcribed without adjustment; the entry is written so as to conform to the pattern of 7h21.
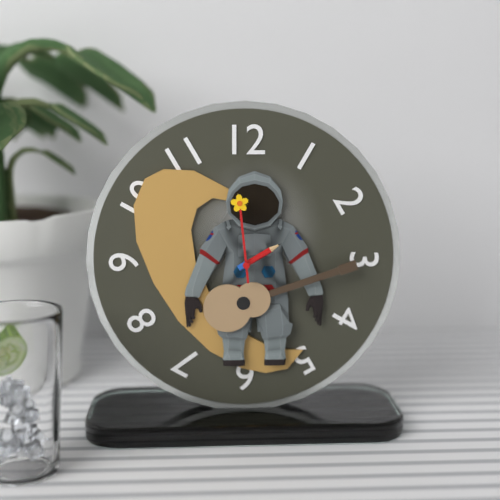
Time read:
1h59
